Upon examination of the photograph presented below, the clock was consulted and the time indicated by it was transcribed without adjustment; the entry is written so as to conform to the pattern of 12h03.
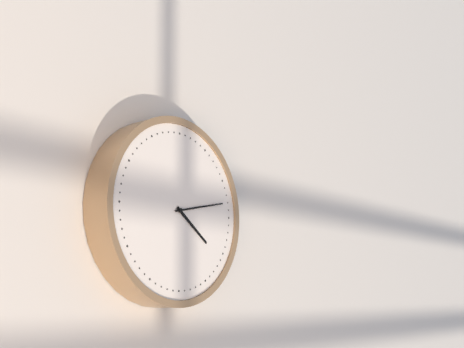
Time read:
4h13
